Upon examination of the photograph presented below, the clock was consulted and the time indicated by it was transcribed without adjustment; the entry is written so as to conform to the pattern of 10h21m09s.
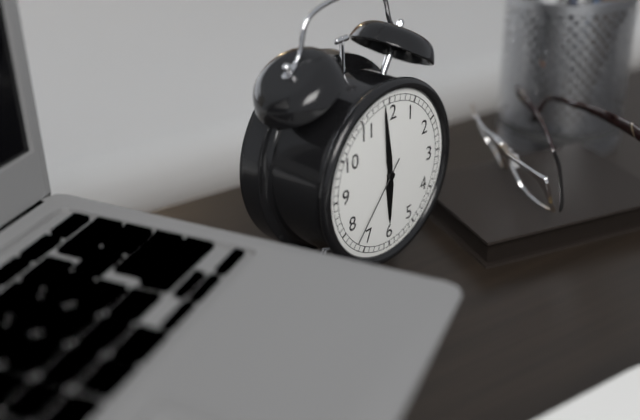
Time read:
5h59m37s
